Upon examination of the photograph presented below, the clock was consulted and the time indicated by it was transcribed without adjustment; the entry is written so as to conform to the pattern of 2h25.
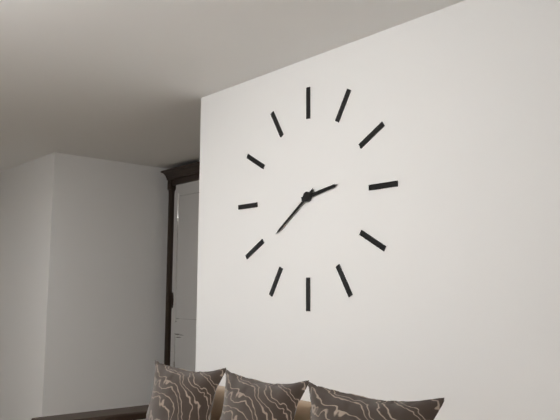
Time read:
2h39
